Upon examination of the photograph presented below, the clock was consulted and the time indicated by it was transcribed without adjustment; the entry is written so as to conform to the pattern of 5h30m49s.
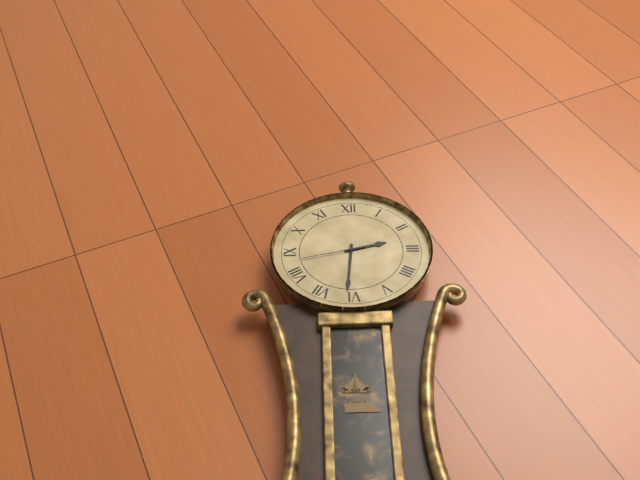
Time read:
2h31m43s
